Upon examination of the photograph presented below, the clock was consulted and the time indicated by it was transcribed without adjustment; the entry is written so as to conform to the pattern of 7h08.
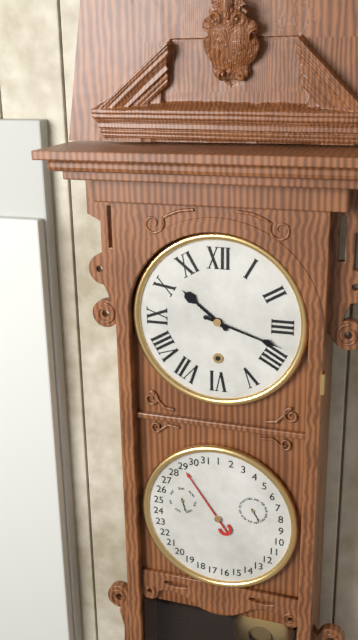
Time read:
10h18
